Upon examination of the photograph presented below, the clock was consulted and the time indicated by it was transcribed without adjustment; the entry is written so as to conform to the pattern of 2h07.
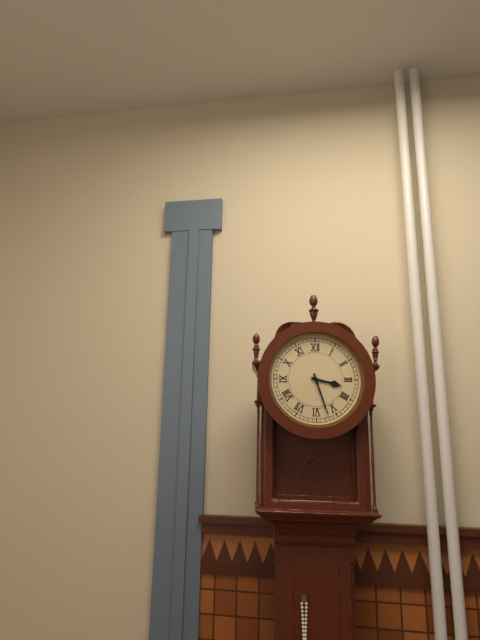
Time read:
3h27
